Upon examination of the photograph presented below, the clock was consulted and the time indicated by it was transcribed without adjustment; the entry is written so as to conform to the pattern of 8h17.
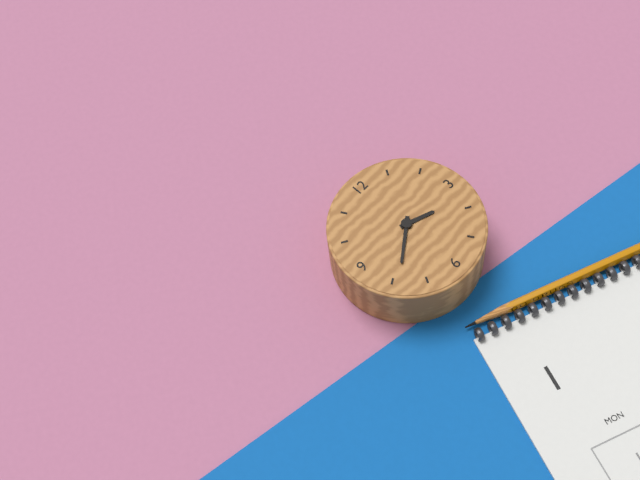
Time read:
3h39
